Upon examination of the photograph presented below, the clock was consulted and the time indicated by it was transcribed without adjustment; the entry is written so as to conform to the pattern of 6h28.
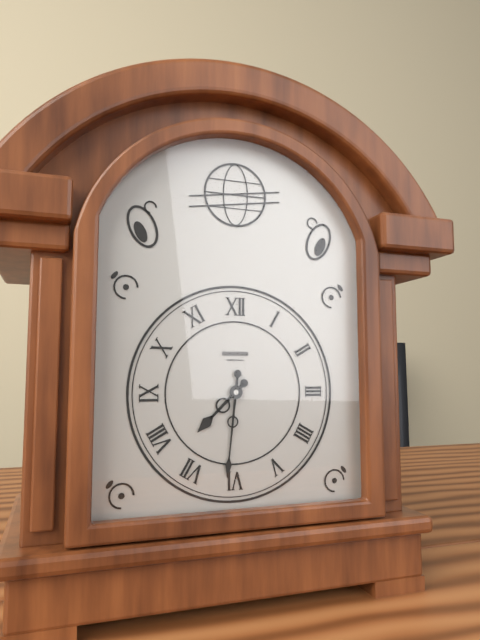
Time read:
7h31
